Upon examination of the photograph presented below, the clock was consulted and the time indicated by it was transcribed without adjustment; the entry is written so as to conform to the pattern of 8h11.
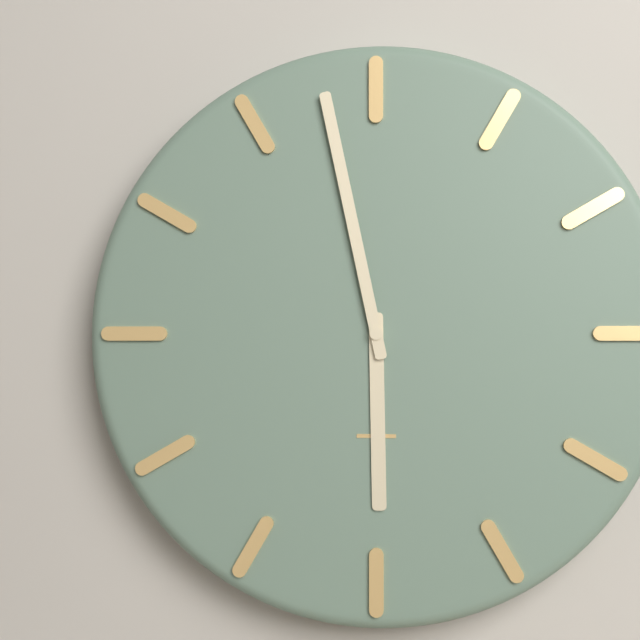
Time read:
5h58
